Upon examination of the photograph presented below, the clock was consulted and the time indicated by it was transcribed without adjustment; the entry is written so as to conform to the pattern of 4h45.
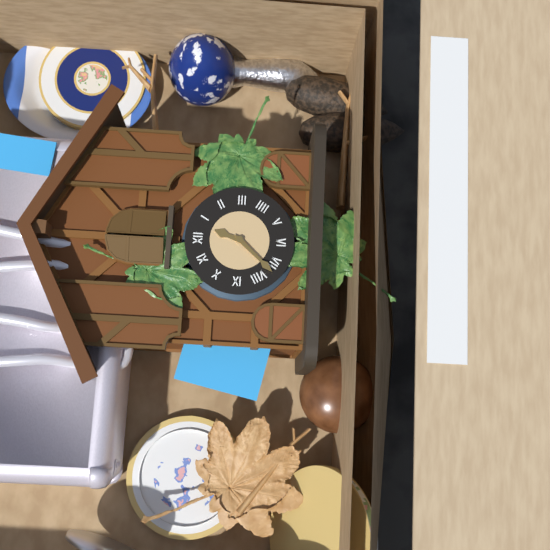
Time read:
12h37
